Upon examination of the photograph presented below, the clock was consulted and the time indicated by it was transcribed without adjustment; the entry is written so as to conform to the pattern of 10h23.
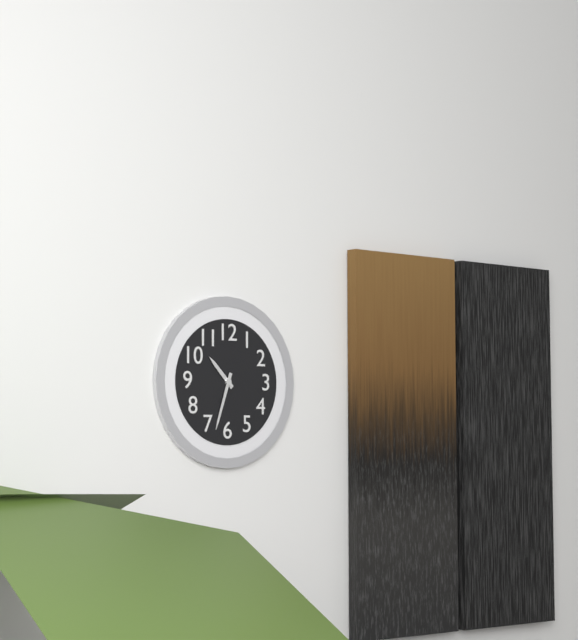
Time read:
10h33
